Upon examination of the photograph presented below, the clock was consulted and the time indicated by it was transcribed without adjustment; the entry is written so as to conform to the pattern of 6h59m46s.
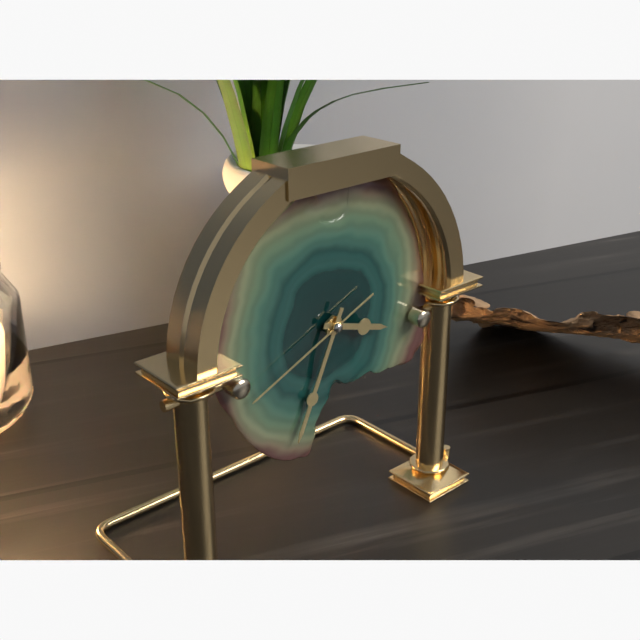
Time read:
3h34m41s
